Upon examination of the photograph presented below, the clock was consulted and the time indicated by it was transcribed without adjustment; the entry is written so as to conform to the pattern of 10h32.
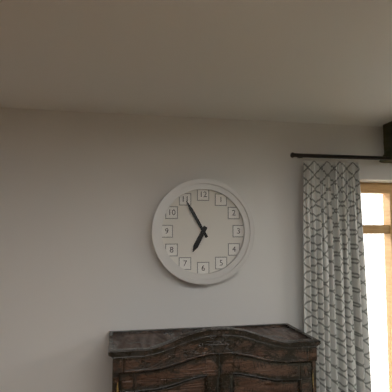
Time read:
6h55
